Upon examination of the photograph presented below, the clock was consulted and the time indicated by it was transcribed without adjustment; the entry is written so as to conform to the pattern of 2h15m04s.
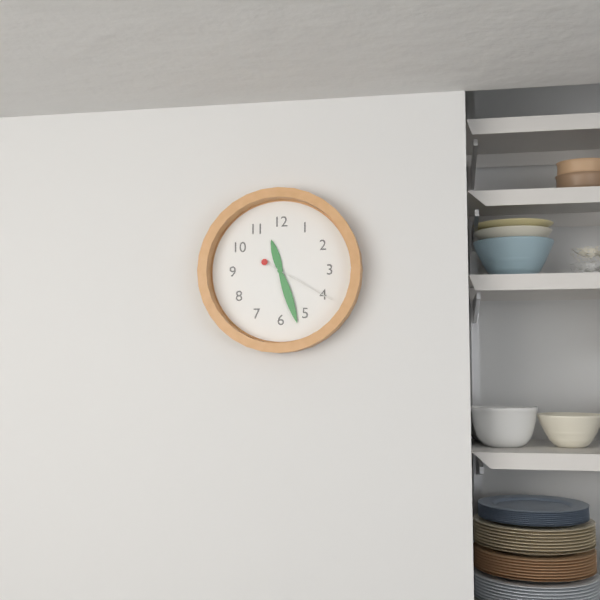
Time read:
11h27m20s
